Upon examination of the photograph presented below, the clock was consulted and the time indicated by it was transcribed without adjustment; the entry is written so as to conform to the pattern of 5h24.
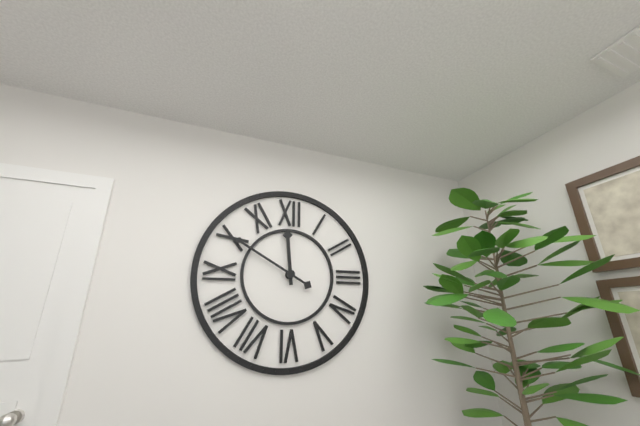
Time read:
11h50
